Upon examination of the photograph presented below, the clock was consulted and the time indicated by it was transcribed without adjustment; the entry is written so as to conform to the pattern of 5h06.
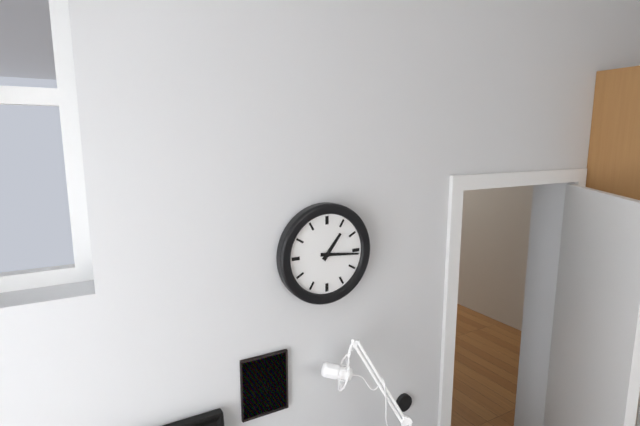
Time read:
1h16
